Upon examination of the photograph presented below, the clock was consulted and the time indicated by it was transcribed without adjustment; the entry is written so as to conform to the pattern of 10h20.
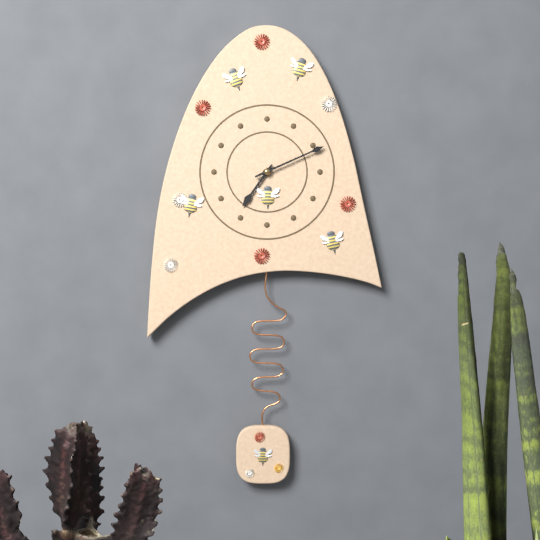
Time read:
7h11
